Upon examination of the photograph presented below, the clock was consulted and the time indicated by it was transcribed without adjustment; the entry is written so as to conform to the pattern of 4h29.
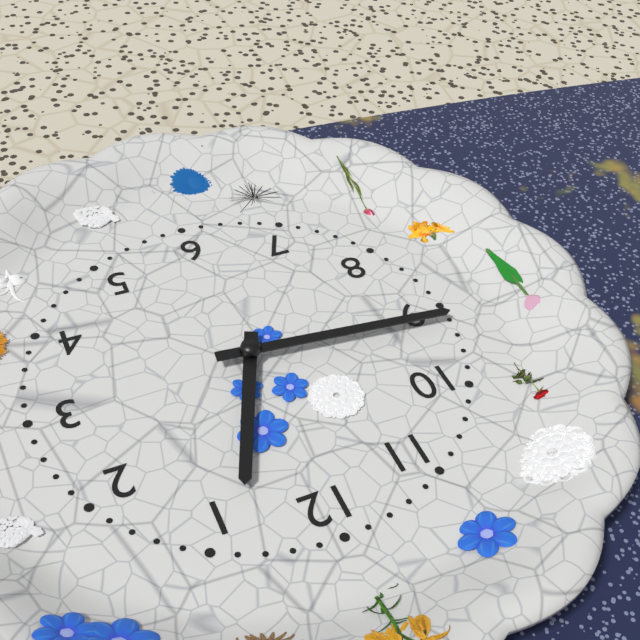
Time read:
12h46
